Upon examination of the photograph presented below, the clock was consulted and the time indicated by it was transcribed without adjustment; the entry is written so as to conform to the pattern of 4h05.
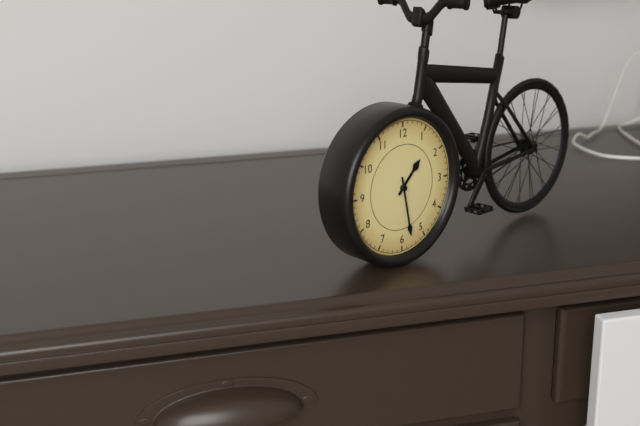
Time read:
1h28
